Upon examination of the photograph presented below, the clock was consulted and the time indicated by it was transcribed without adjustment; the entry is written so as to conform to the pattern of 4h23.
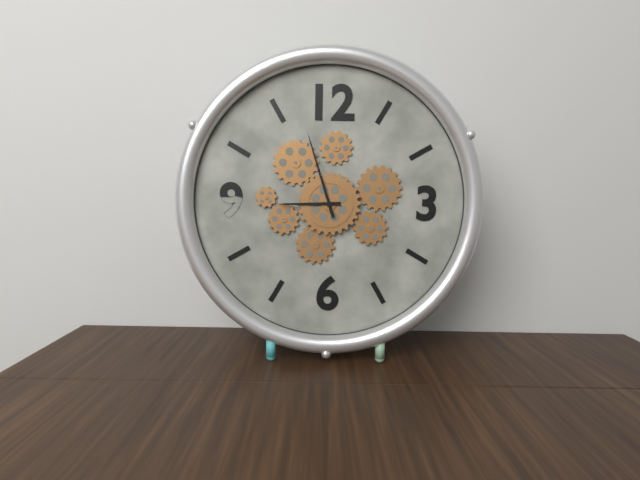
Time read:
8h57
